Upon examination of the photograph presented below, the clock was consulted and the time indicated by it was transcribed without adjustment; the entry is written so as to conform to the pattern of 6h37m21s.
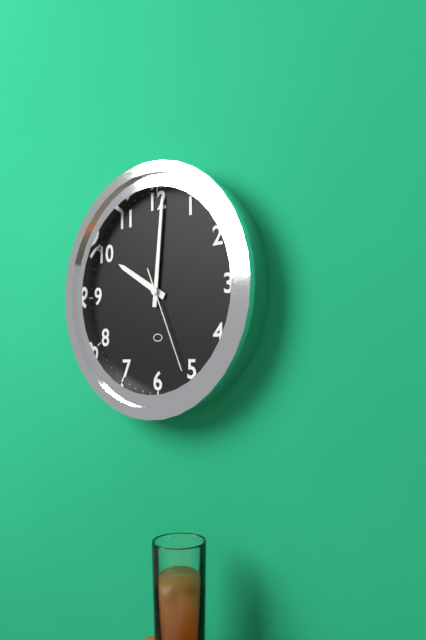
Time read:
10h01m26s
